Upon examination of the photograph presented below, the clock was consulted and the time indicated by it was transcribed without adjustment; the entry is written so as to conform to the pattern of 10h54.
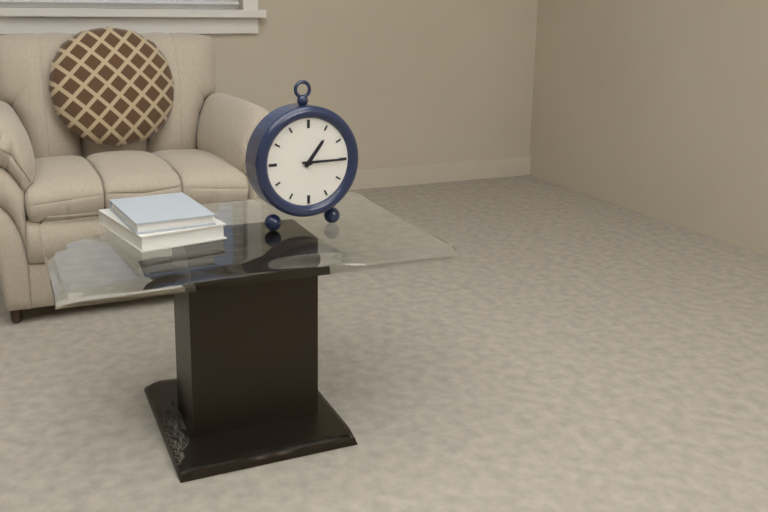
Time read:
1h15
